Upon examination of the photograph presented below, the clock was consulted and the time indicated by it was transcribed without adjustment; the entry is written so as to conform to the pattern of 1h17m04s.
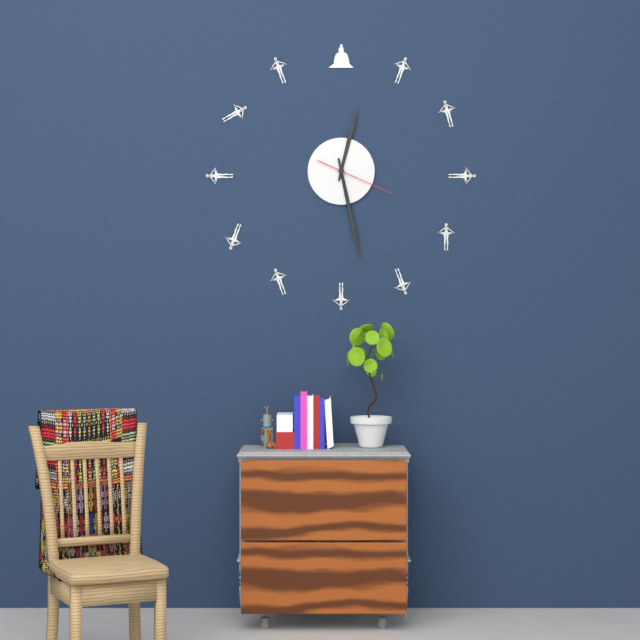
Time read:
12h28m19s
